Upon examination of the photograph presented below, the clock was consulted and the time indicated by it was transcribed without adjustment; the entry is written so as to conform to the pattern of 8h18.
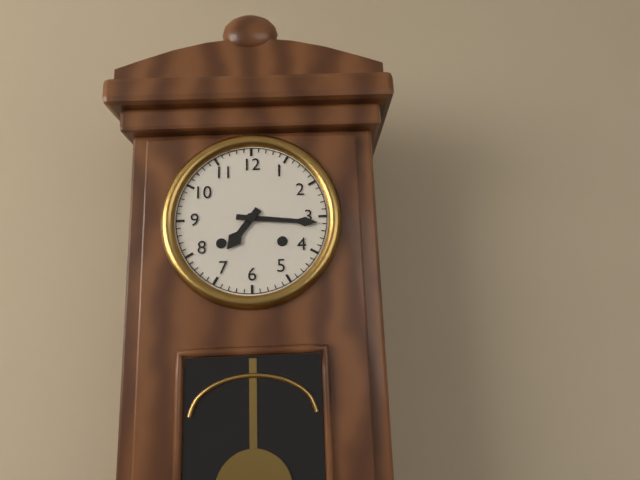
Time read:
7h16
